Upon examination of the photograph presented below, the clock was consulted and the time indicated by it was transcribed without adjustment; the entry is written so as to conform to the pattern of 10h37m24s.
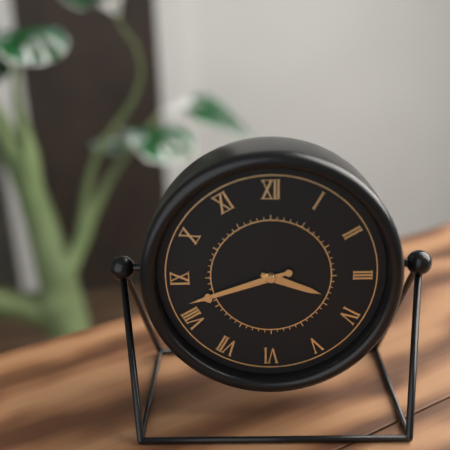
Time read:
3h42m42s
